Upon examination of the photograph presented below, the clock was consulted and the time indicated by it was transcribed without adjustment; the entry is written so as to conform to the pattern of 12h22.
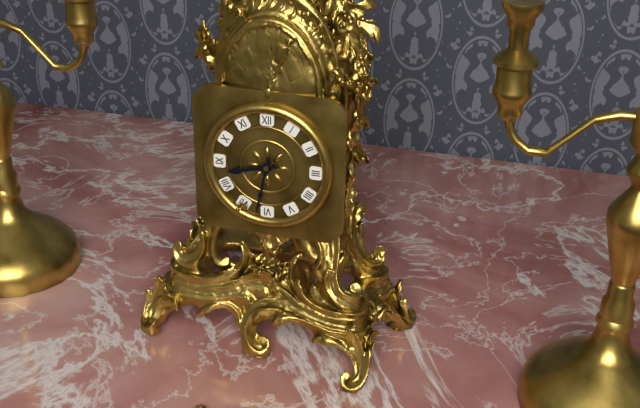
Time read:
8h32
